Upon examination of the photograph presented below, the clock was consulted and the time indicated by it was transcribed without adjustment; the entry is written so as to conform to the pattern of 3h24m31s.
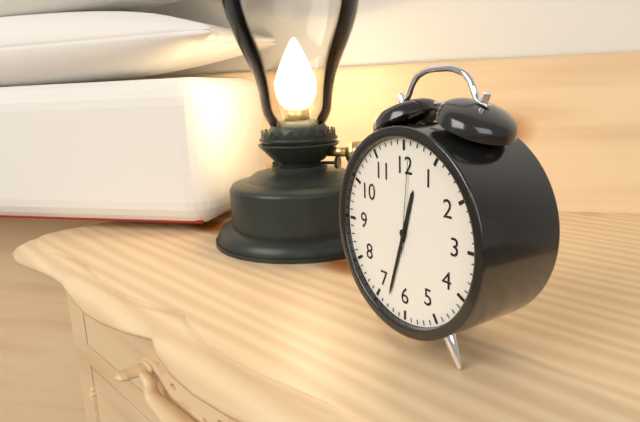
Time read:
12h33m01s
